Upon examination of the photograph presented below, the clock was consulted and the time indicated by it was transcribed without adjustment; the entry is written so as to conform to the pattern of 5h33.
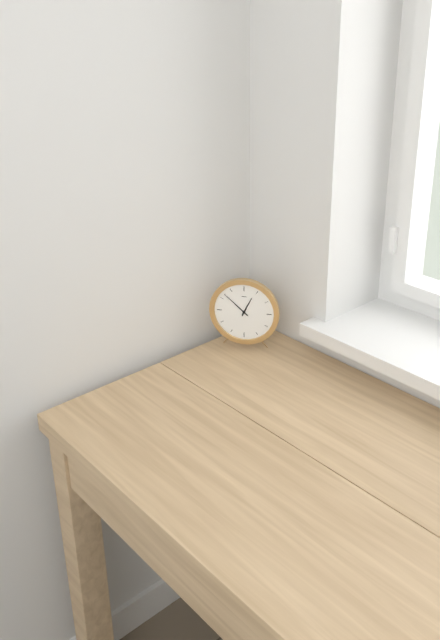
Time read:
12h52
